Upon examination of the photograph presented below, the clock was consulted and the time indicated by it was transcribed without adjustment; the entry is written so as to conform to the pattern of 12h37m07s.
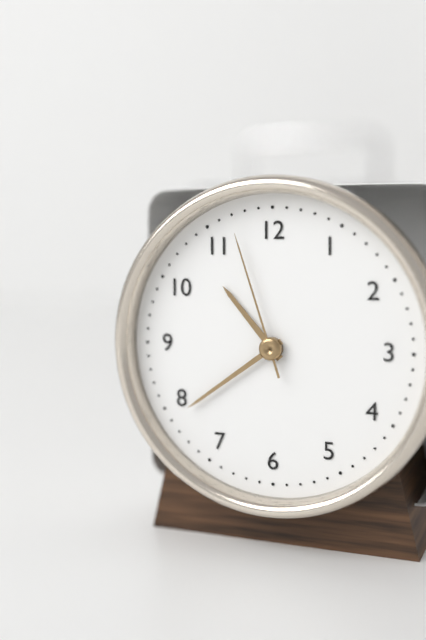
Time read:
10h39m57s
